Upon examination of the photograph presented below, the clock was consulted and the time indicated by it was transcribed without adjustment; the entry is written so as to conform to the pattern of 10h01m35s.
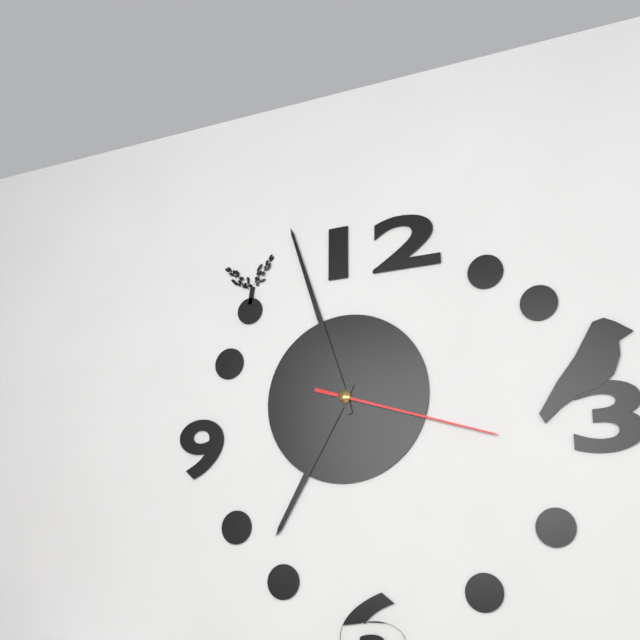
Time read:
6h57m18s
